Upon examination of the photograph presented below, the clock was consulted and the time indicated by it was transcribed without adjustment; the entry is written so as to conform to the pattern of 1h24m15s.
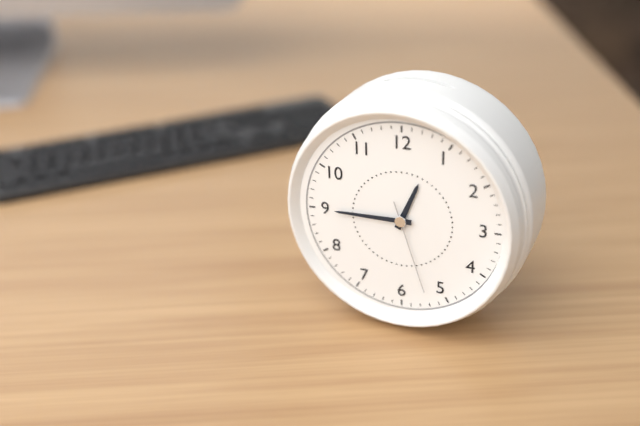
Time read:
12h45m27s
